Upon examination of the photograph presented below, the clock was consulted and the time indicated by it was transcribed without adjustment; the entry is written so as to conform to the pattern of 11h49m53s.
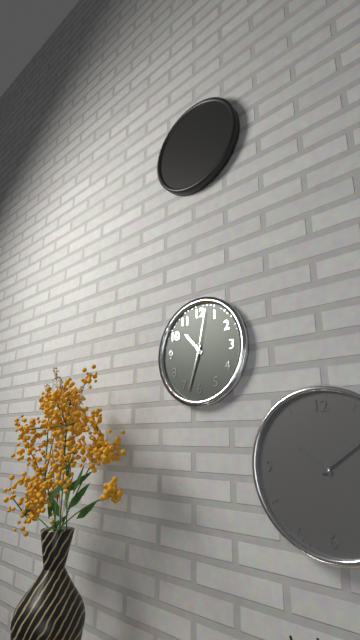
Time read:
10h33m02s
